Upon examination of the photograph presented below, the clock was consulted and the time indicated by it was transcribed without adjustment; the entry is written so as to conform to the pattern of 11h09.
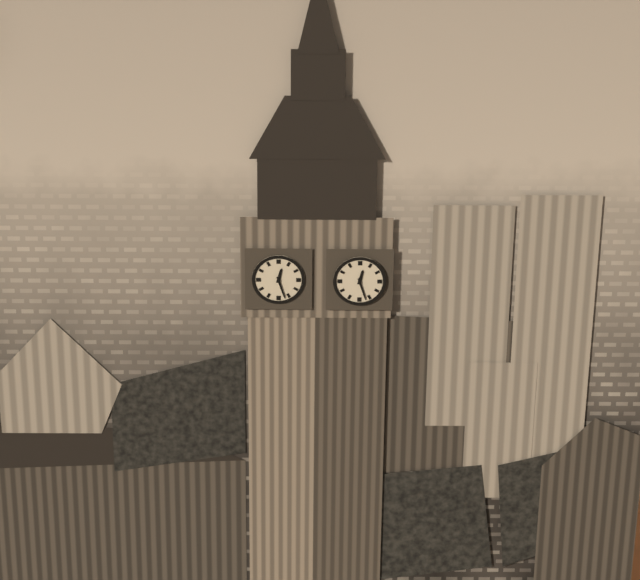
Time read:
12h27
